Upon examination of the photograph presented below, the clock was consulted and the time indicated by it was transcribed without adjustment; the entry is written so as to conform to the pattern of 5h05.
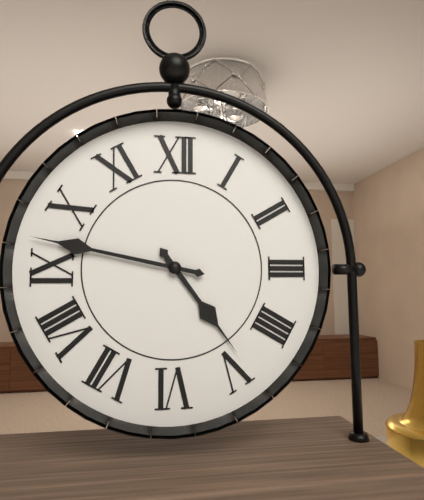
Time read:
4h47
